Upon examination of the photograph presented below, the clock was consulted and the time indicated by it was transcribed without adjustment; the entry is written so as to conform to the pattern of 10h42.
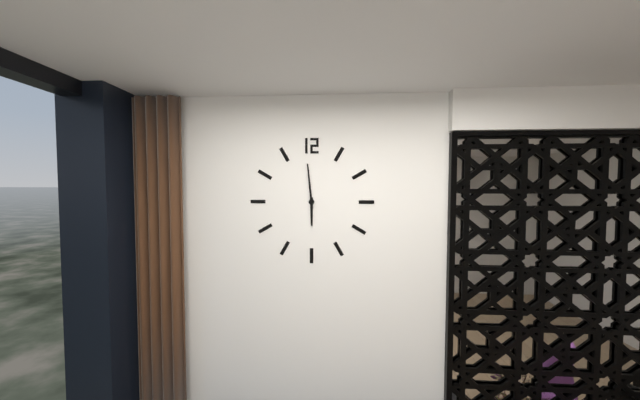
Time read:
5h59
